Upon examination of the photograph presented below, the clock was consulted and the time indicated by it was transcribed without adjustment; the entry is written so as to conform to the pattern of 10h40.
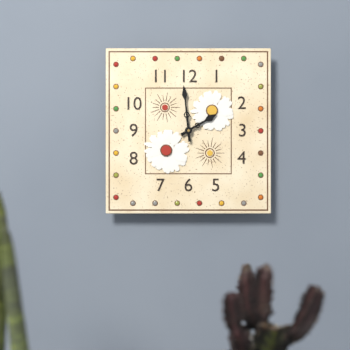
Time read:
1h59
